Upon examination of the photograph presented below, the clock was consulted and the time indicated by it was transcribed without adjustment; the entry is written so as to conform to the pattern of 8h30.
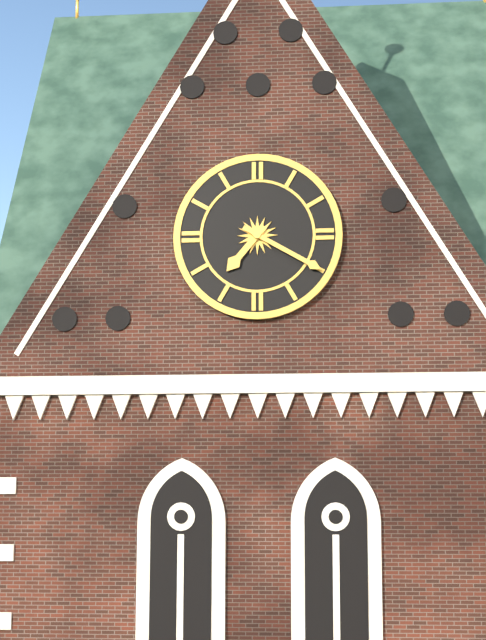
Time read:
7h20
